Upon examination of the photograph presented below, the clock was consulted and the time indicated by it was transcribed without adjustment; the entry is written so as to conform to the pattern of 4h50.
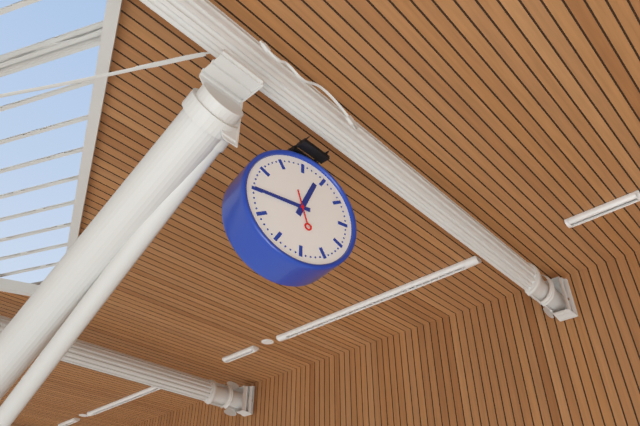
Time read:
12h45
